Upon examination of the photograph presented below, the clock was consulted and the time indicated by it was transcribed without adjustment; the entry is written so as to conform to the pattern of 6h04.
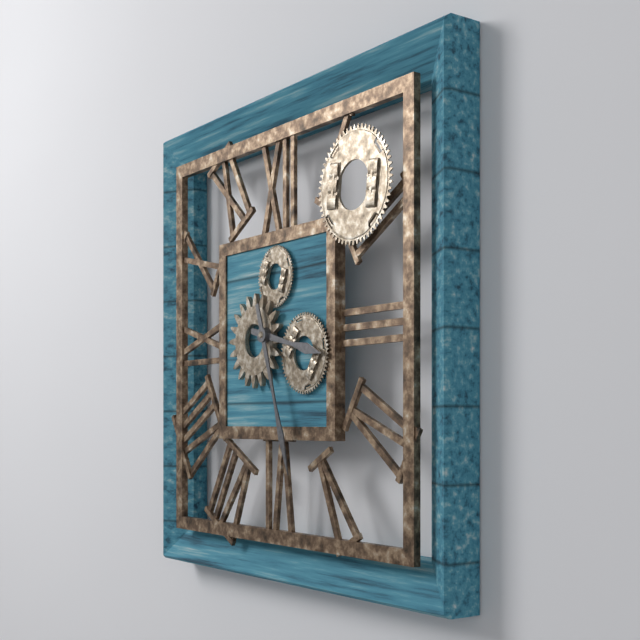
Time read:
3h27
